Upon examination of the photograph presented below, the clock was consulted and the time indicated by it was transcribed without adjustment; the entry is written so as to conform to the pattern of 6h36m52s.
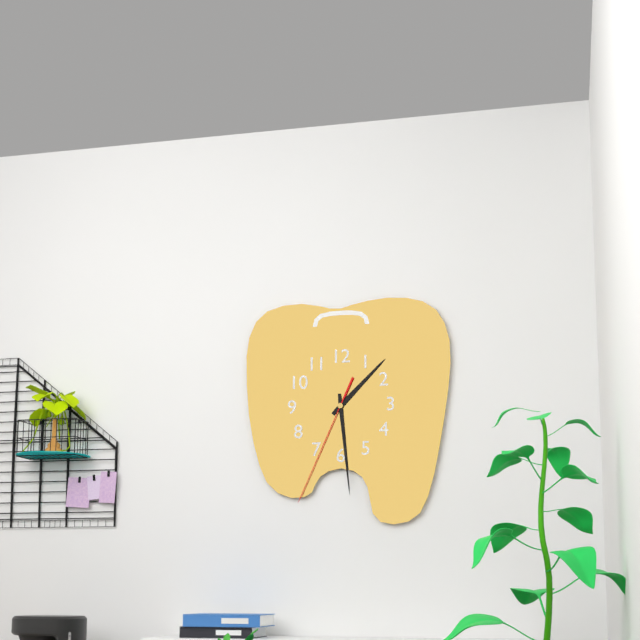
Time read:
1h29m34s
